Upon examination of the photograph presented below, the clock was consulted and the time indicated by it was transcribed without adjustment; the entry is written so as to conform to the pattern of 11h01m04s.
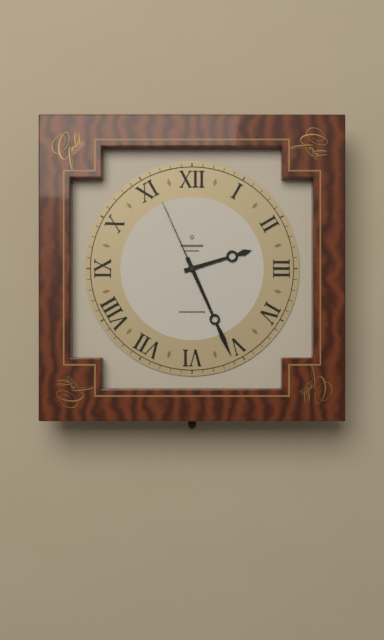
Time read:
2h26m56s
